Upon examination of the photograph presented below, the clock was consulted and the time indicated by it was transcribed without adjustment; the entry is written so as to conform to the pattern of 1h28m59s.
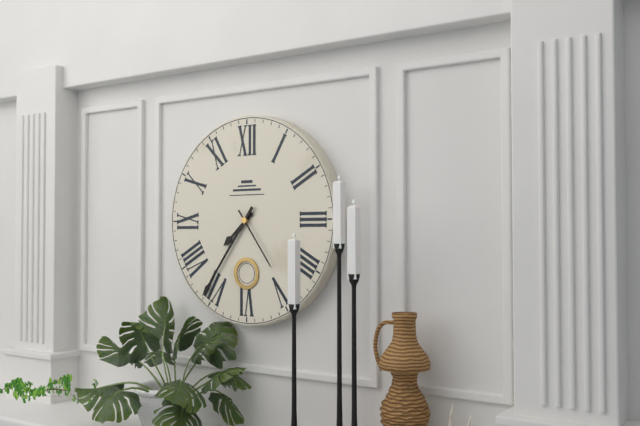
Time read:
7h36m24s
